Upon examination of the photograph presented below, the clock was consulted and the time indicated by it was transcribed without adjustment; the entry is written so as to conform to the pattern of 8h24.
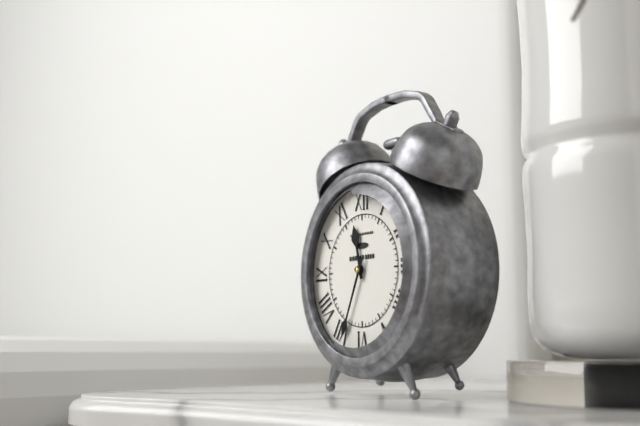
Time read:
11h34
